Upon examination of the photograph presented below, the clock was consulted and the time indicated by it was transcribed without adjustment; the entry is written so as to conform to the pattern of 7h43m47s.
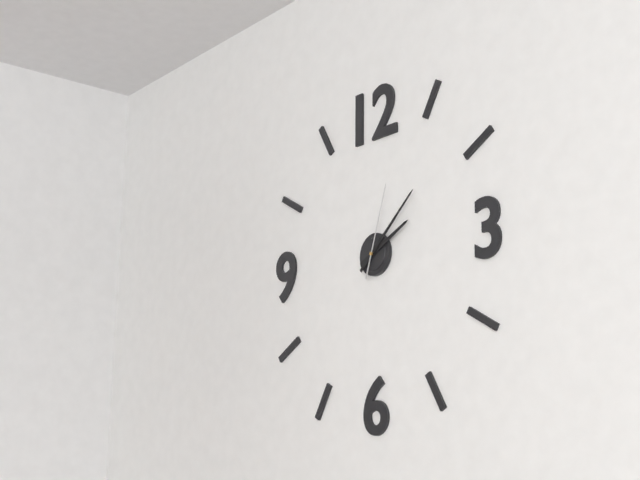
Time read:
2h08m03s
